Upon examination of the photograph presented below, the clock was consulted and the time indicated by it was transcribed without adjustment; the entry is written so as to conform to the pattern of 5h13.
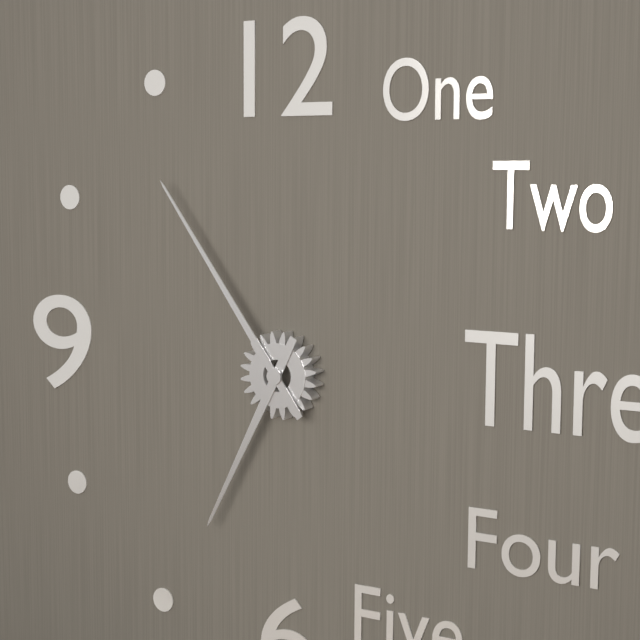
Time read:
6h54
